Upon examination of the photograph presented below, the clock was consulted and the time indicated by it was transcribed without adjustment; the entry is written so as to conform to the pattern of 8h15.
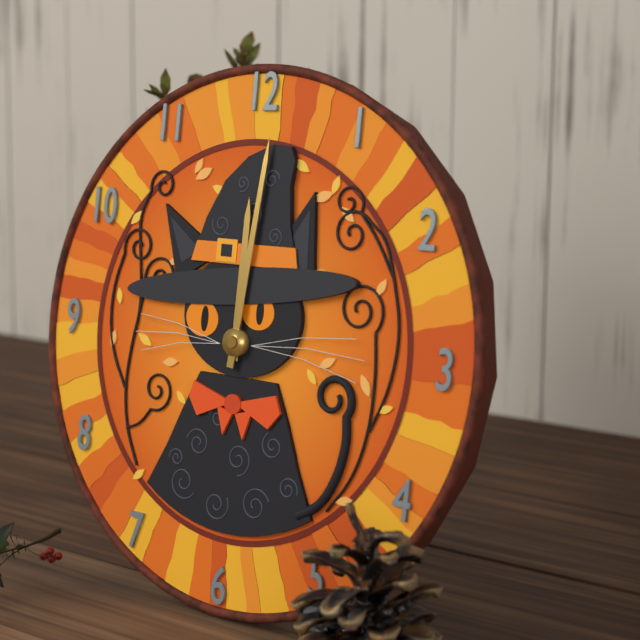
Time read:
12h01
